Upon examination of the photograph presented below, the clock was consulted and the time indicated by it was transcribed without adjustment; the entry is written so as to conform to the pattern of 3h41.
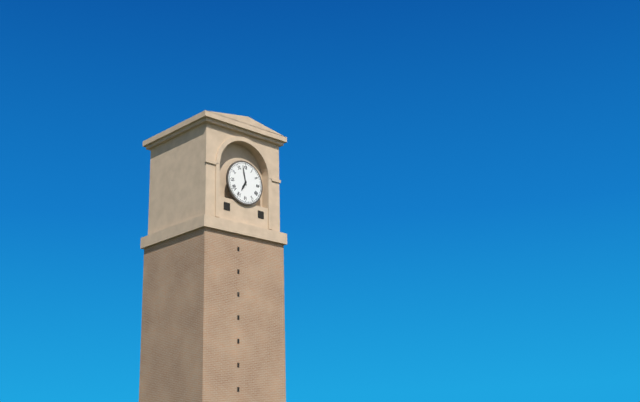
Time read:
6h58
